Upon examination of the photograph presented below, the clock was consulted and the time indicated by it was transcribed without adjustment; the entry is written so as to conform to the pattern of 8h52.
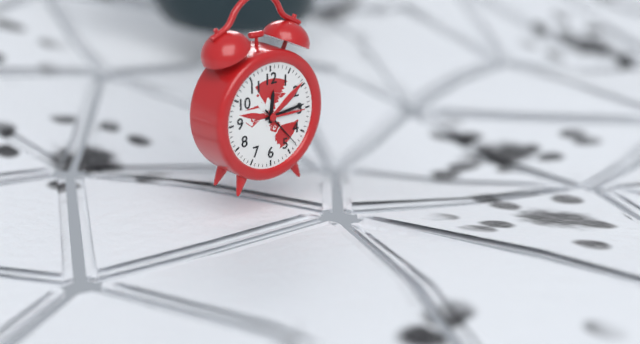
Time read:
12h14
